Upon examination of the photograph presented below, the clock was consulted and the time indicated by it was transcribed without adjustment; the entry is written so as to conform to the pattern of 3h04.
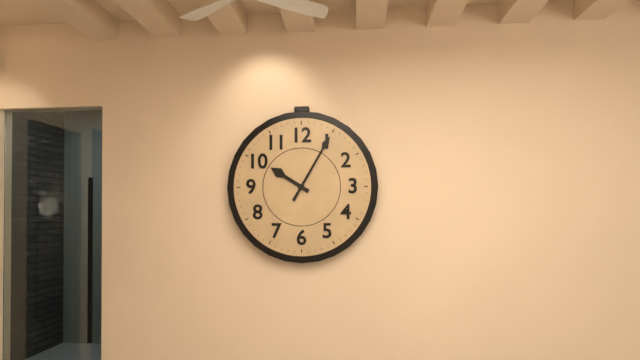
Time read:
10h05
